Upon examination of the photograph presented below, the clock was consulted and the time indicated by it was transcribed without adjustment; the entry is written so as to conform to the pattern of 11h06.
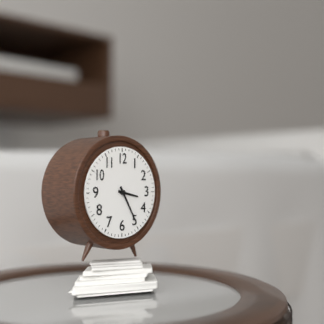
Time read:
3h25
